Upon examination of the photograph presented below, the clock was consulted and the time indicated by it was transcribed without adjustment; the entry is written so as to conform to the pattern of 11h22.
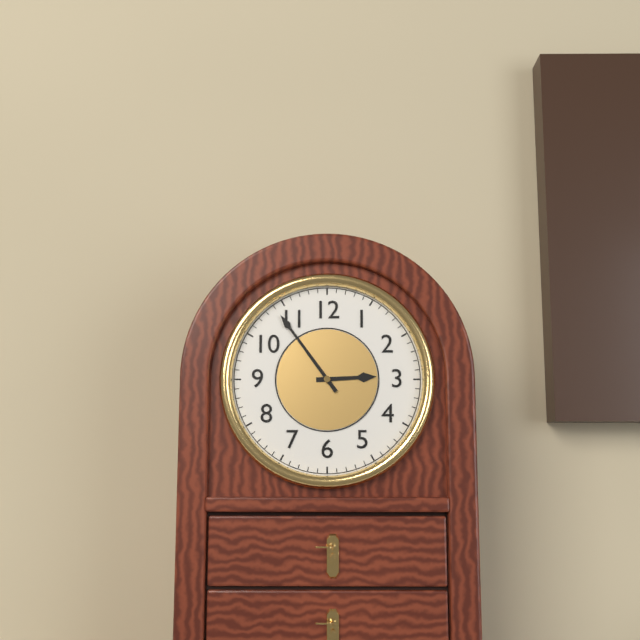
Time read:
2h54
